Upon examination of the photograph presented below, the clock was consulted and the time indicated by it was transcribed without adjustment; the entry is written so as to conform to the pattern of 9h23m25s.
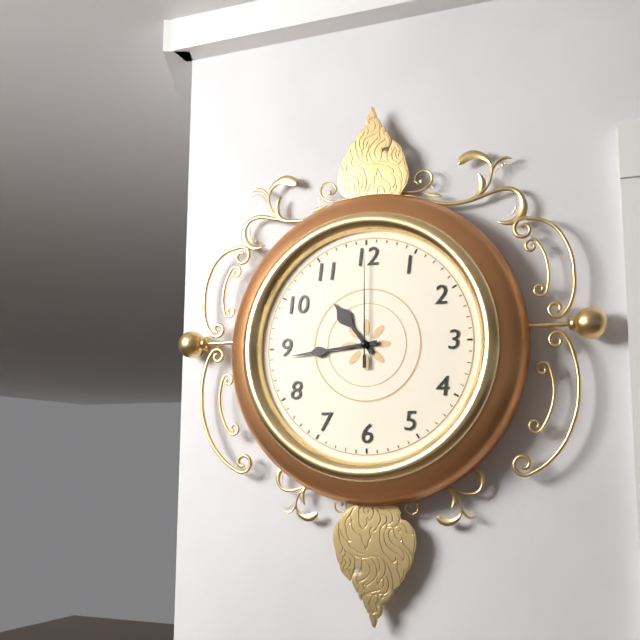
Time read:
10h44m00s
